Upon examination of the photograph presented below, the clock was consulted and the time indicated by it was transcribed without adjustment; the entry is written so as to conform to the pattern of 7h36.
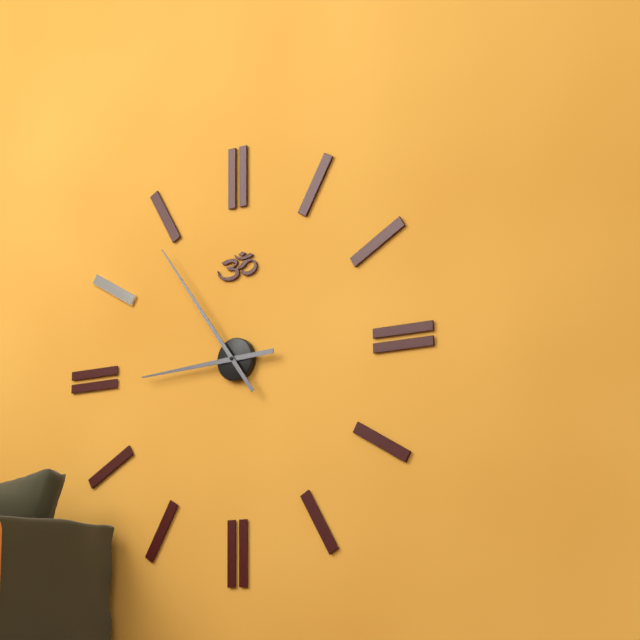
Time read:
8h54
